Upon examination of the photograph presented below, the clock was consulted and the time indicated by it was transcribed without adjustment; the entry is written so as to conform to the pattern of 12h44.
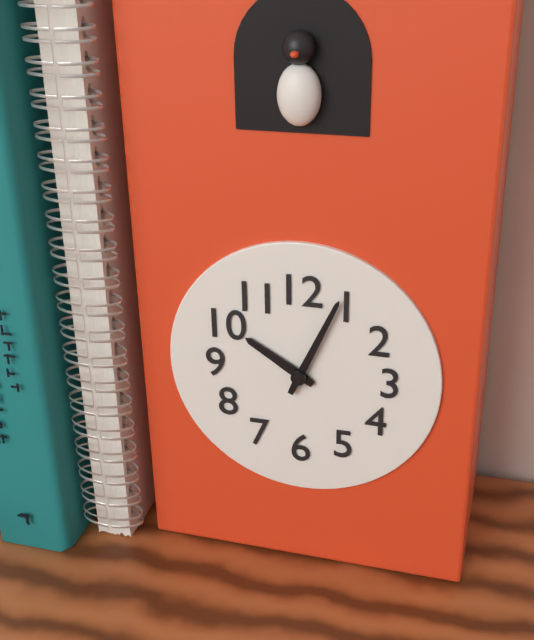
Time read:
10h04
